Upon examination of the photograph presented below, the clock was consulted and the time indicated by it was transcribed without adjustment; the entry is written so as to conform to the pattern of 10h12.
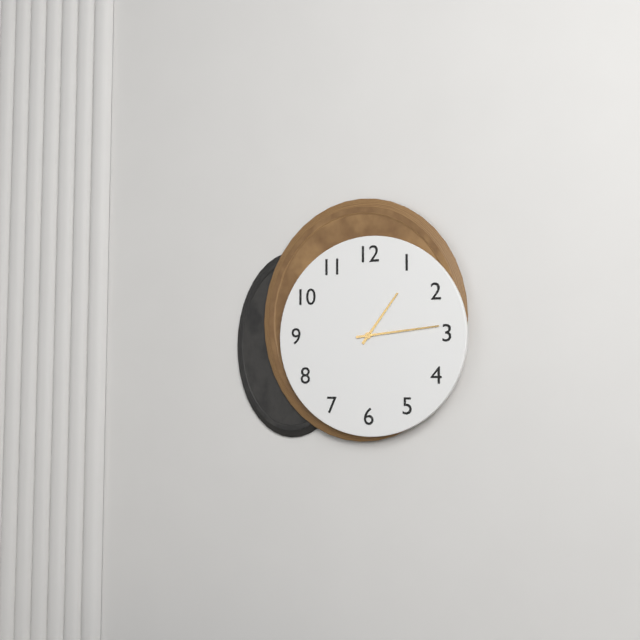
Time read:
1h14
